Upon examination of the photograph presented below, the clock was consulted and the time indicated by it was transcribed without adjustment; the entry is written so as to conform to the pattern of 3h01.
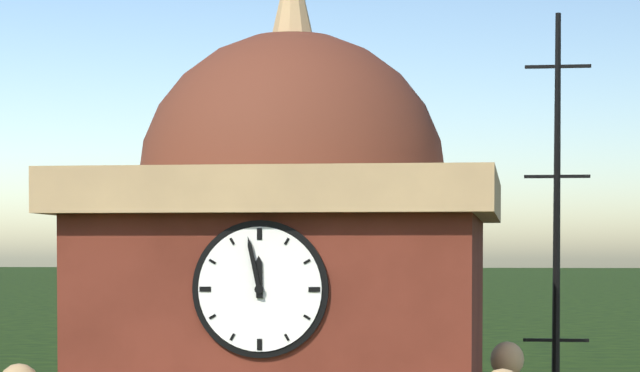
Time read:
11h58
